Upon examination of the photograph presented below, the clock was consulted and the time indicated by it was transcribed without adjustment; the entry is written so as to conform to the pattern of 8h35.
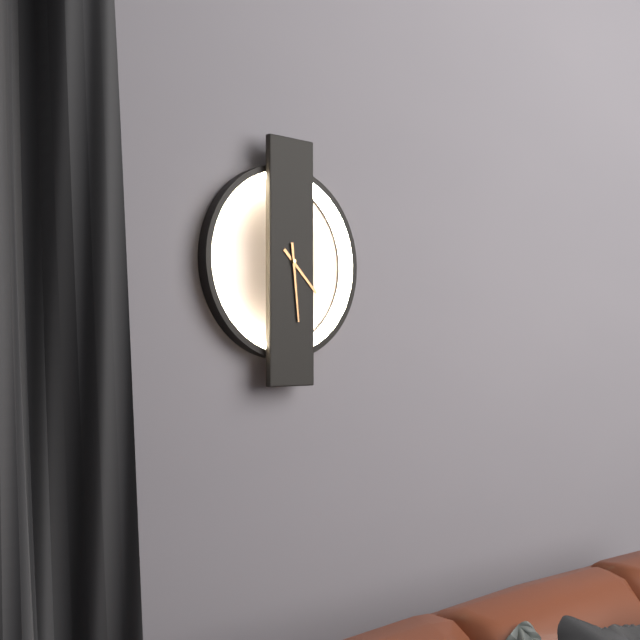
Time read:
4h29
